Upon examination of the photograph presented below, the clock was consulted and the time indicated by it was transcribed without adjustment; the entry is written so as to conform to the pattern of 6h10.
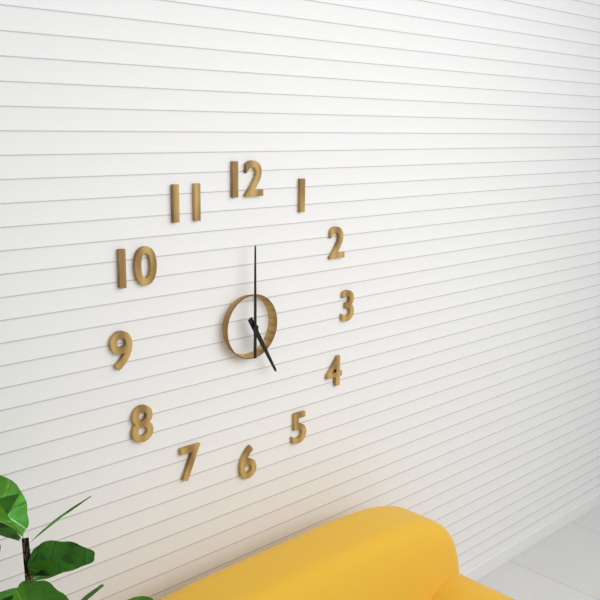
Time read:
5h00
